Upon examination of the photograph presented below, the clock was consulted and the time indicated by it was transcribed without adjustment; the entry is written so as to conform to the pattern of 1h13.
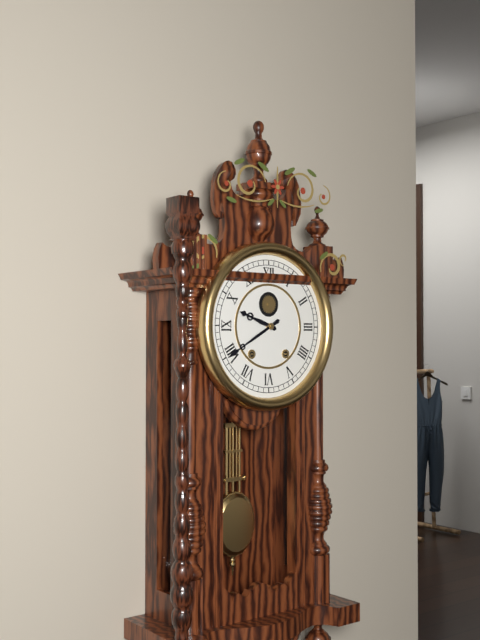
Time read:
9h40
